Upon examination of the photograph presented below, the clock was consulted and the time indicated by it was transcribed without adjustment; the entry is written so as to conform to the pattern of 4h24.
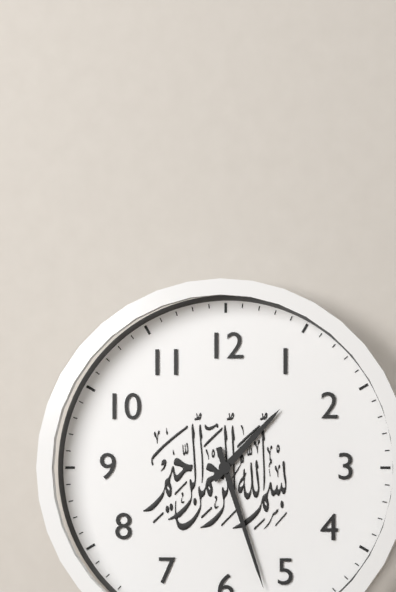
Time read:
1h27
